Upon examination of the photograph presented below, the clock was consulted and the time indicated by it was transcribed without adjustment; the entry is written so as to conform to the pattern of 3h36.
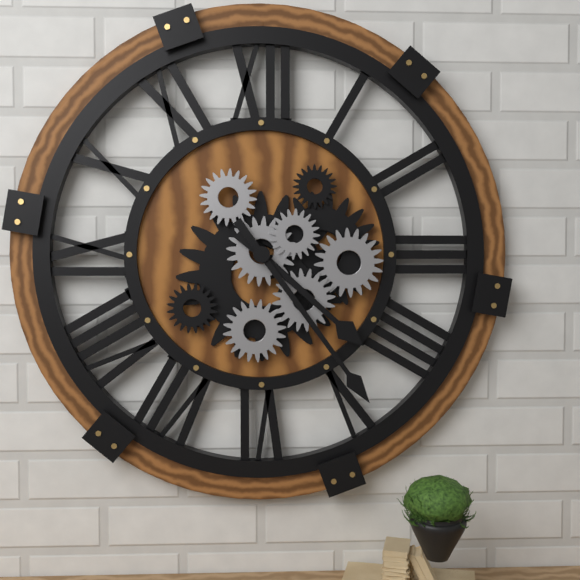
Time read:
4h24
